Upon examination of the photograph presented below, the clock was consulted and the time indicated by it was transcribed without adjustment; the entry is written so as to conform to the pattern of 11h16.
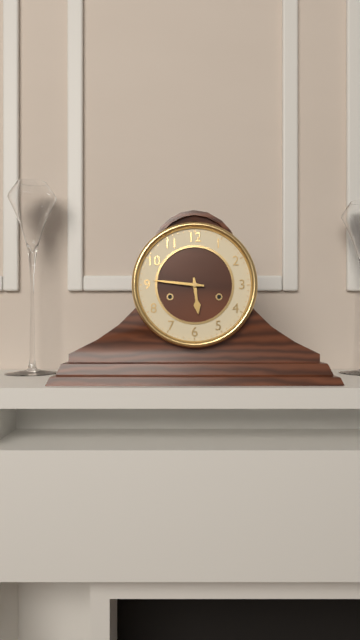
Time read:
5h46
